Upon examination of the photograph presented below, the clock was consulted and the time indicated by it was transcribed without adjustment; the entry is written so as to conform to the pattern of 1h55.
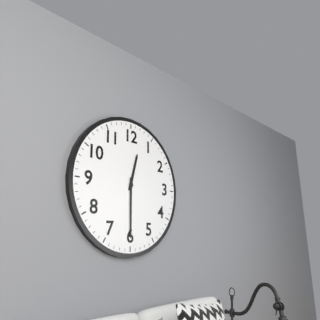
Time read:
12h30
